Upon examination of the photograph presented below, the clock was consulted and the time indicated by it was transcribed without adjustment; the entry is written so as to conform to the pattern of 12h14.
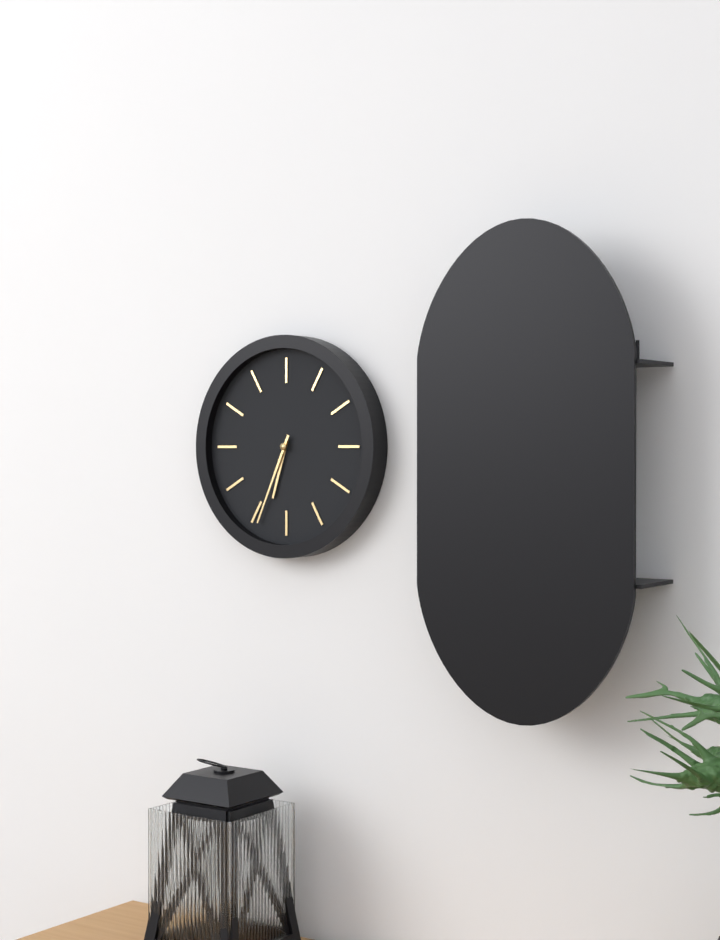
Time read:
6h34
